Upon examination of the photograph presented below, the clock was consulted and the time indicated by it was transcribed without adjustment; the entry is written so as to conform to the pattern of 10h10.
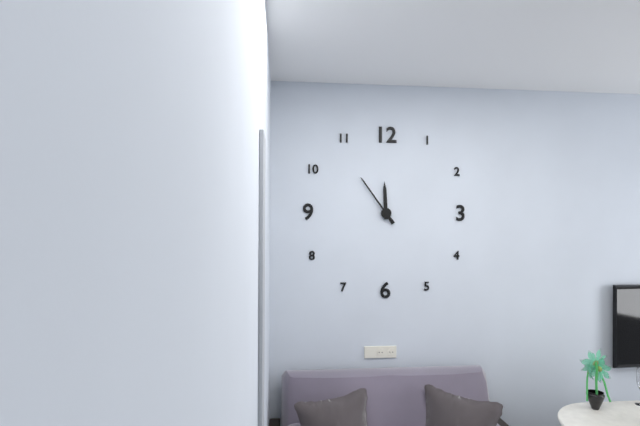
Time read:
11h54
